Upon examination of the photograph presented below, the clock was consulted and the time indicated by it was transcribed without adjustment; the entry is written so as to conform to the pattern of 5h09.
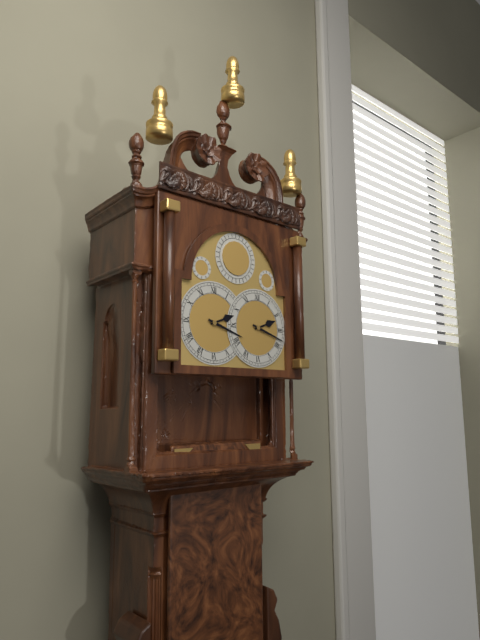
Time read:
2h18
